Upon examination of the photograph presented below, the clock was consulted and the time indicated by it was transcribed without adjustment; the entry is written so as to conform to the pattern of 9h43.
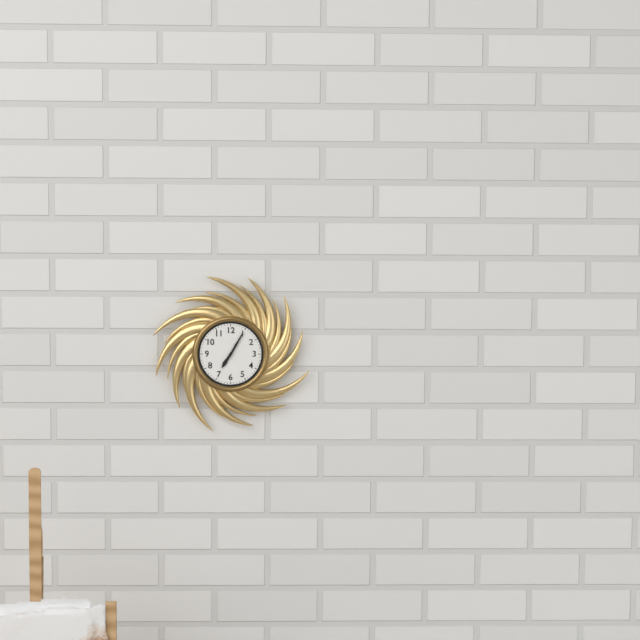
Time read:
7h05
